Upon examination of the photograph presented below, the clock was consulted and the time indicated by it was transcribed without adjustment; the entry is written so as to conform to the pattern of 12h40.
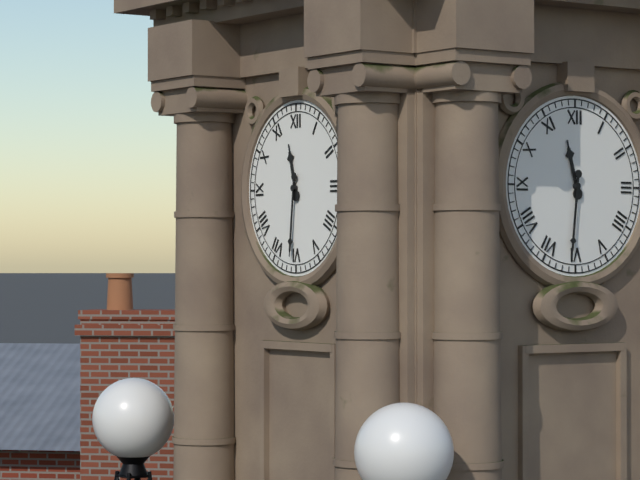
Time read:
11h31
